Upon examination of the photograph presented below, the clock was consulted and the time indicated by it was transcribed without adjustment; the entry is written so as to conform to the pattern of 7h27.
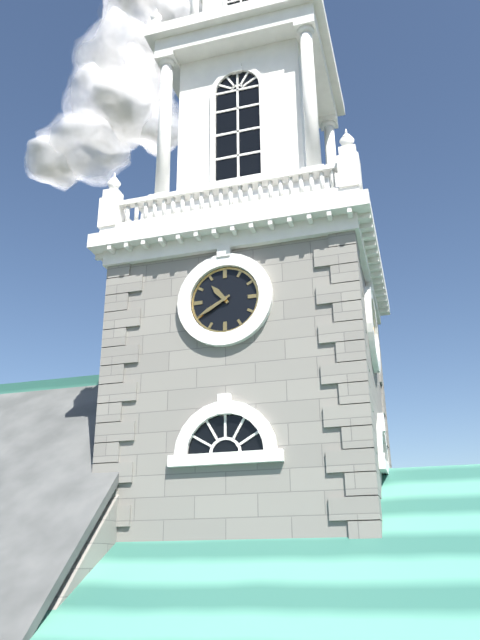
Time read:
10h40
